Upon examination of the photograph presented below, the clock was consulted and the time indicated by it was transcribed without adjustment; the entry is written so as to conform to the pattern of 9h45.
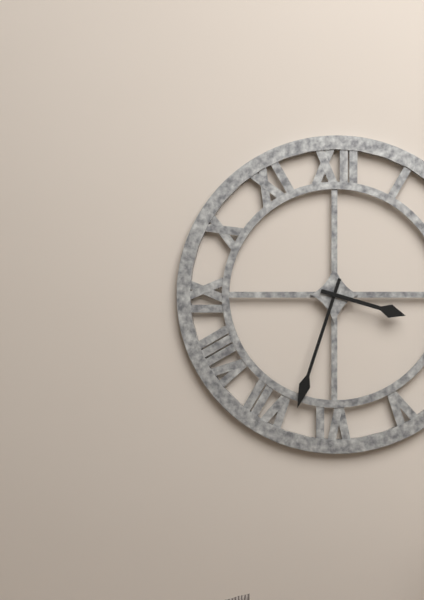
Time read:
3h33
